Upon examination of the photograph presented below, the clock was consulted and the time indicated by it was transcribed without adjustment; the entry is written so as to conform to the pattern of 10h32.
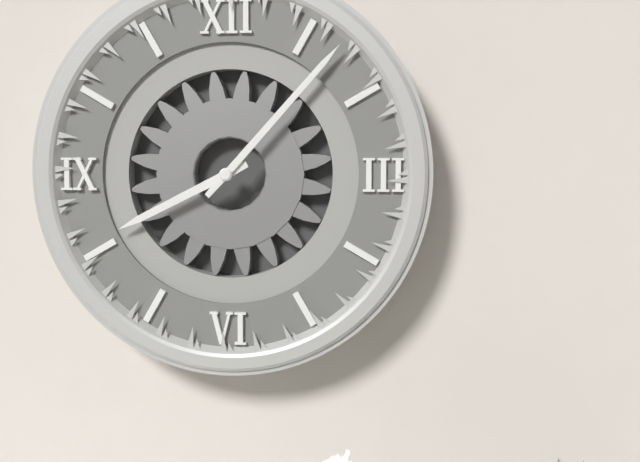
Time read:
8h07
